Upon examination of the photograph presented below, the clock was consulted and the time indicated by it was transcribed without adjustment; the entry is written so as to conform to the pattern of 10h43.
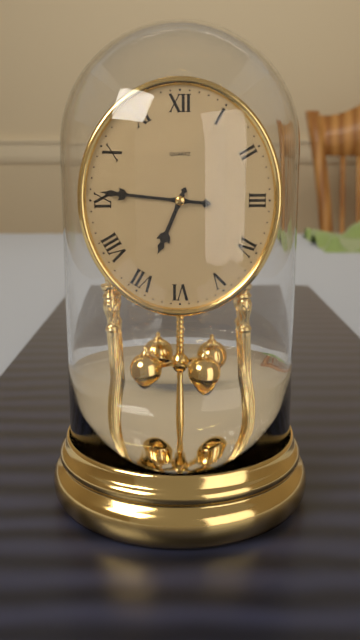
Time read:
6h46
